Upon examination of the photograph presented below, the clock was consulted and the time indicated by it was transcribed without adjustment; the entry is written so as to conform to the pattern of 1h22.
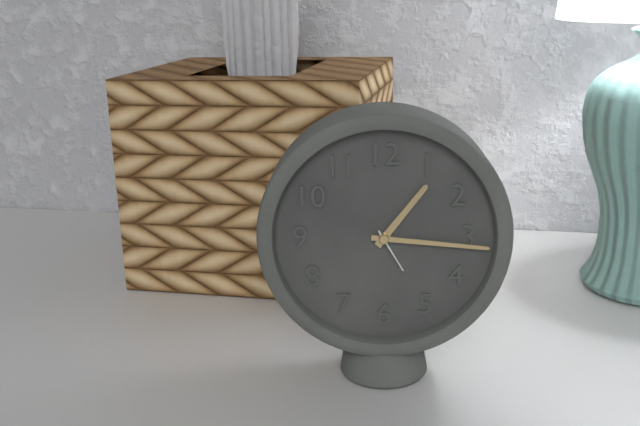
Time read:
1h16
